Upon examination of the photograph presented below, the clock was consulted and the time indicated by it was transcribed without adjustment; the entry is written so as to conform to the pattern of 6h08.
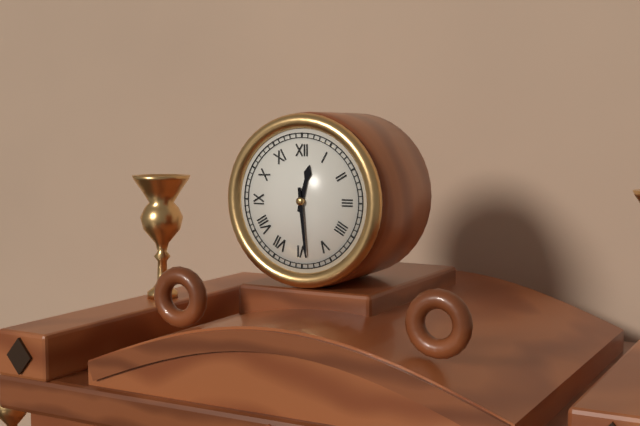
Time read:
12h29
